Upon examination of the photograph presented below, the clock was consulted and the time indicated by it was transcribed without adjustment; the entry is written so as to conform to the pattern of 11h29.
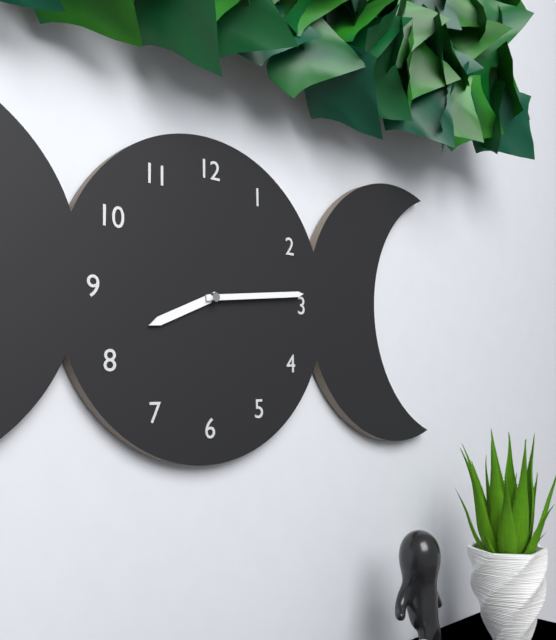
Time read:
8h14
